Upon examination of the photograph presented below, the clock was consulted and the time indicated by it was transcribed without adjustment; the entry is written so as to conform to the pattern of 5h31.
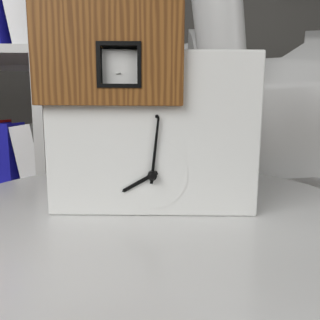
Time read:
8h01
